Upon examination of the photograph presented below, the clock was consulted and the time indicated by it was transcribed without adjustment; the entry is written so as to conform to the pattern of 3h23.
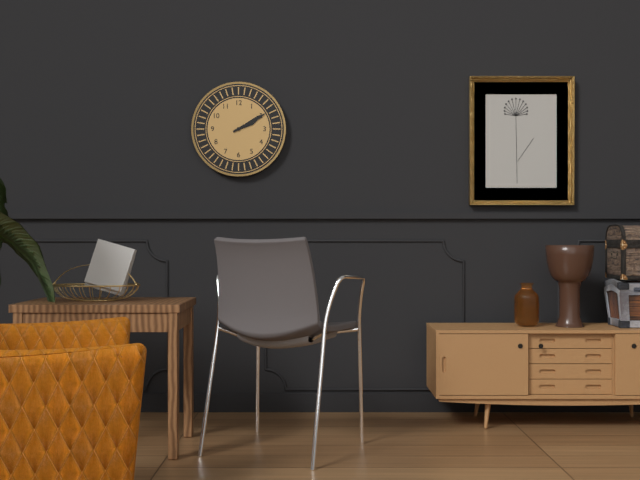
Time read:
2h10
